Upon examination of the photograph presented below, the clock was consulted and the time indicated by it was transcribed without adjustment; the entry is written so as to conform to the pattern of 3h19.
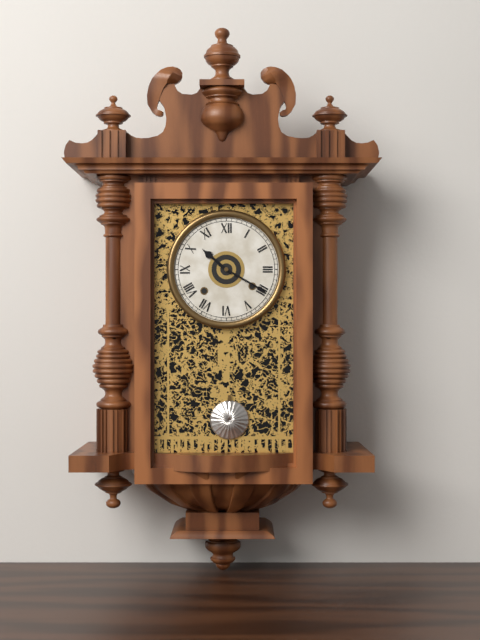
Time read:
10h20
